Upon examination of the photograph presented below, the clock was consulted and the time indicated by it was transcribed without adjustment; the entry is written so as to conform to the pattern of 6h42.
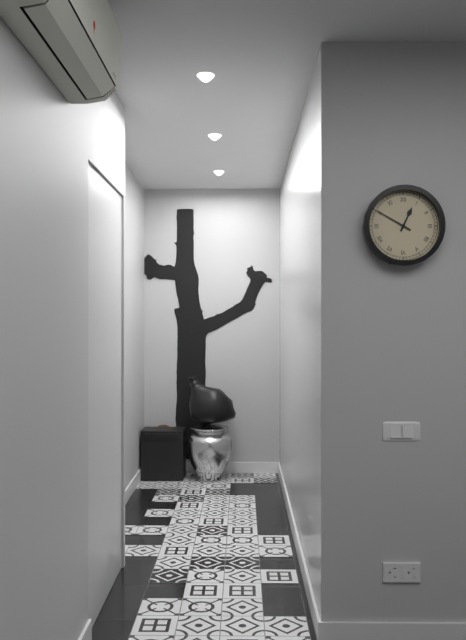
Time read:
12h50
